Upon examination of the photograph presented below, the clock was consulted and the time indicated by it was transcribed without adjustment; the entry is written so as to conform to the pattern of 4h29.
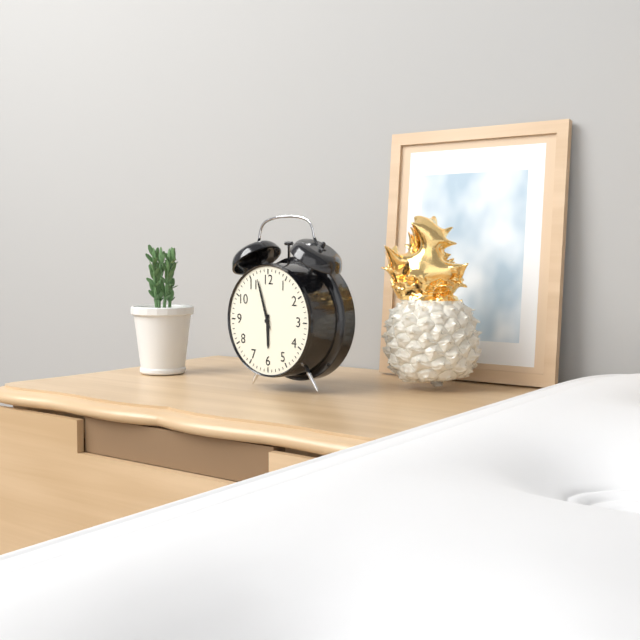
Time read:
5h57
